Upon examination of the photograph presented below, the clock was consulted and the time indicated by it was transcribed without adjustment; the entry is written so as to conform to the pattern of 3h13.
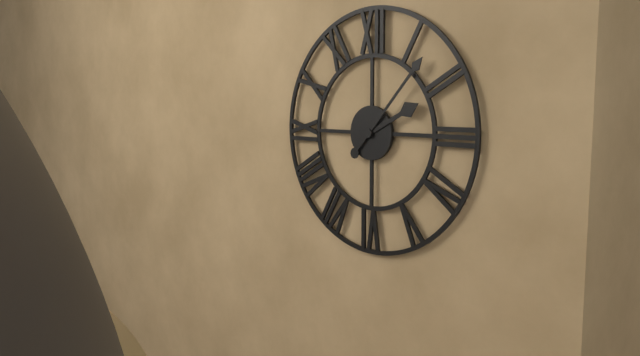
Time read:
2h07
